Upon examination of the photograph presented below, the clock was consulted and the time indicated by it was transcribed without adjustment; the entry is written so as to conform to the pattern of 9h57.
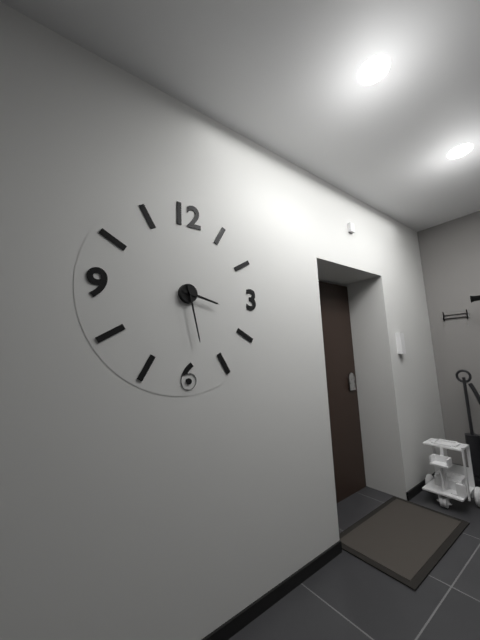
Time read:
3h28
